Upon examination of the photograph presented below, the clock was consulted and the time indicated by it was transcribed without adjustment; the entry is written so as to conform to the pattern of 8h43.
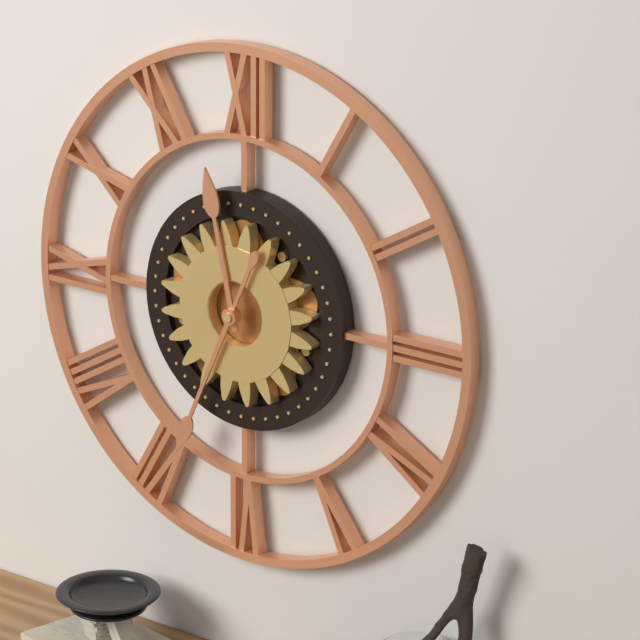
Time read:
11h34
